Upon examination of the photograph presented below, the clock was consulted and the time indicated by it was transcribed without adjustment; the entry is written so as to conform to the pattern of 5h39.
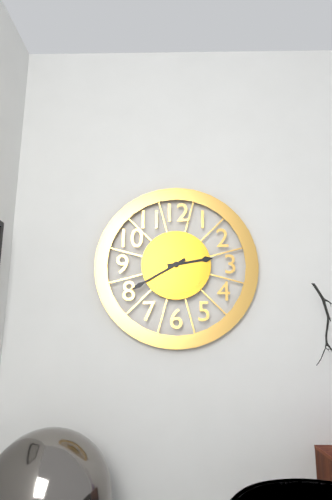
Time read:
2h40
